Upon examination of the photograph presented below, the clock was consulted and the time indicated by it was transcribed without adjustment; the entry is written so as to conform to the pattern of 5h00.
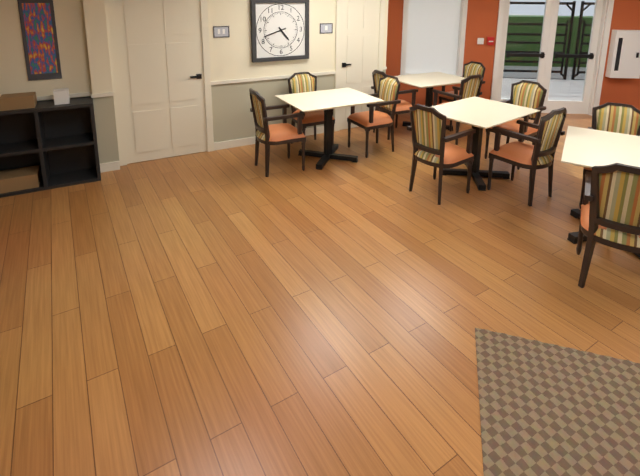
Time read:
4h42
